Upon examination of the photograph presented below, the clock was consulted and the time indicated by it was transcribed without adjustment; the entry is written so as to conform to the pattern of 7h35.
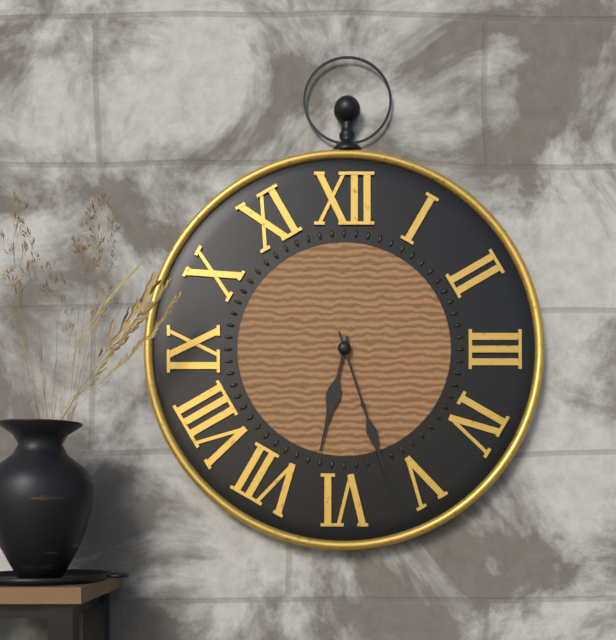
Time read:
6h27
